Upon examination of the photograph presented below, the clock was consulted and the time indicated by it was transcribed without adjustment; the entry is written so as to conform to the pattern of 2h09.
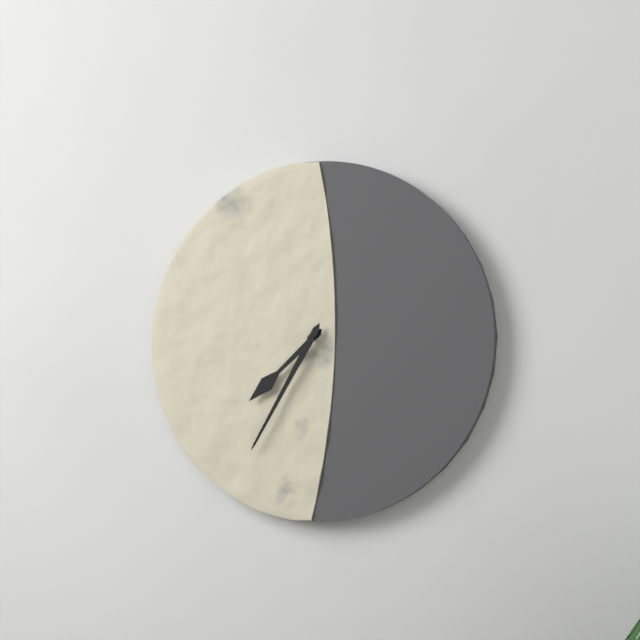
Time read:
7h35
